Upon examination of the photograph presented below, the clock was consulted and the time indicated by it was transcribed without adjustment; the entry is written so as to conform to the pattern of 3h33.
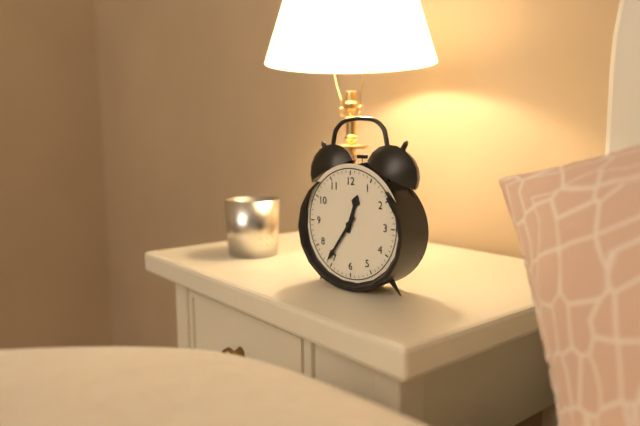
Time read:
12h36
